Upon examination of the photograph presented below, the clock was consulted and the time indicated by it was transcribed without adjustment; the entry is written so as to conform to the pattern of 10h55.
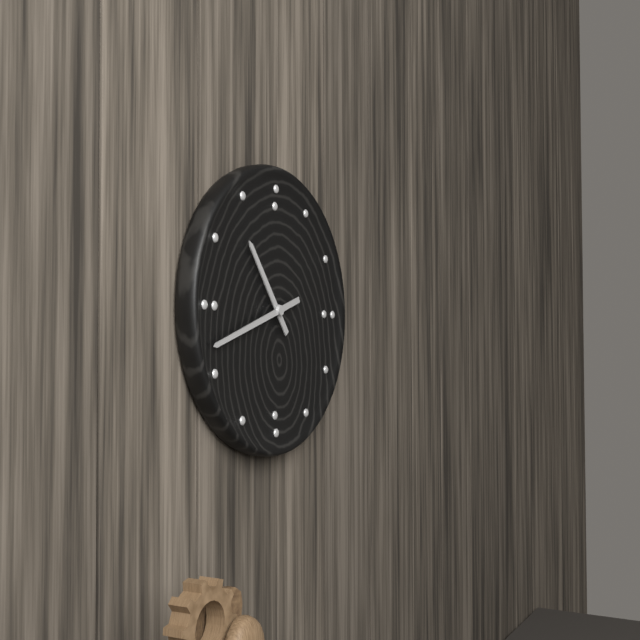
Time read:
10h42
